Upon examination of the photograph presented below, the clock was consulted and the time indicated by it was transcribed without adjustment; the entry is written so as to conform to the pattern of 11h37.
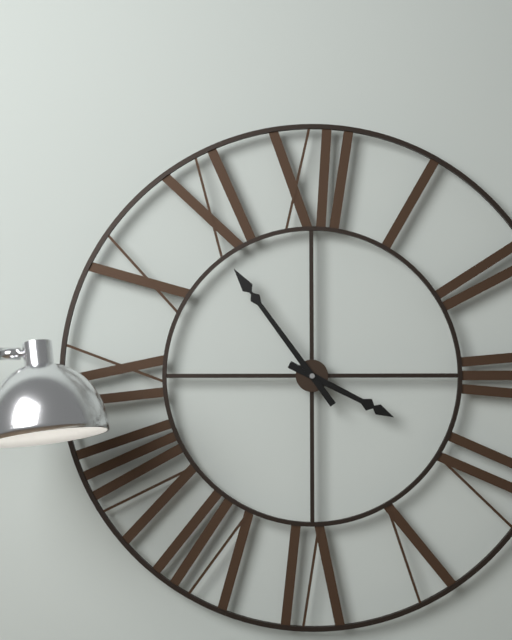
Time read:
3h54
